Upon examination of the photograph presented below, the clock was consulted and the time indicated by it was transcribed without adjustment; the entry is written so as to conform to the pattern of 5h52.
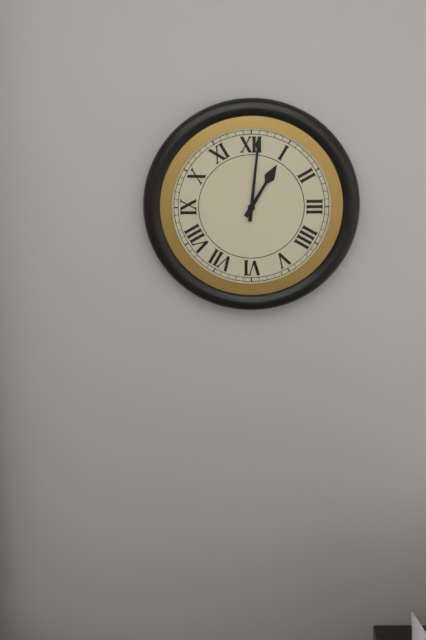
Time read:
1h01
